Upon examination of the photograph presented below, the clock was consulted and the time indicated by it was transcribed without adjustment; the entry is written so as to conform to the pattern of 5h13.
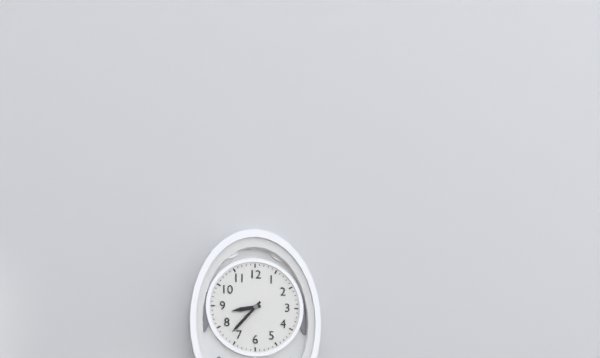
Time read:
8h37
